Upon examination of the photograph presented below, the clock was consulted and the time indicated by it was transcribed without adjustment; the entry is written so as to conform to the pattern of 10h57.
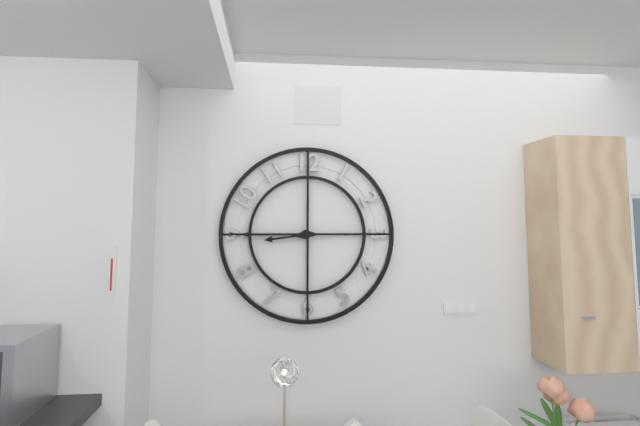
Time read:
8h45
